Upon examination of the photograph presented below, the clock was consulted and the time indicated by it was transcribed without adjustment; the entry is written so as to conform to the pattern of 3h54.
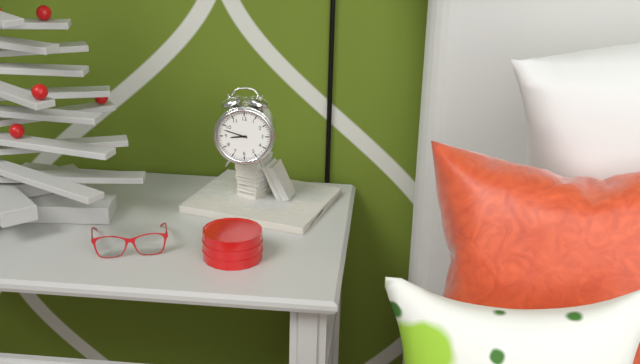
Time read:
8h48
